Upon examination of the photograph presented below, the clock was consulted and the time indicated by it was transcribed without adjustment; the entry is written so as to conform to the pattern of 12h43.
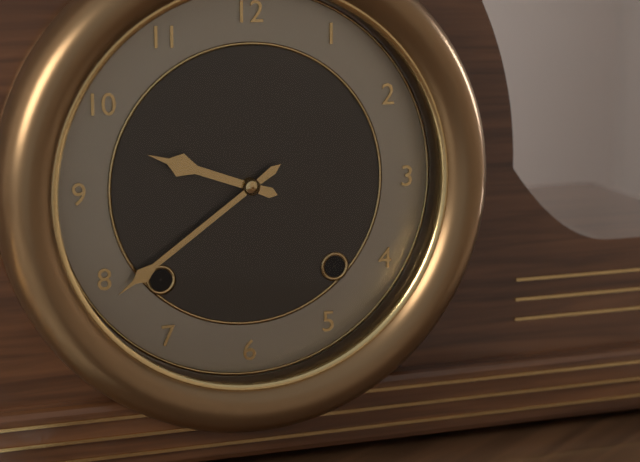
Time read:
9h39
